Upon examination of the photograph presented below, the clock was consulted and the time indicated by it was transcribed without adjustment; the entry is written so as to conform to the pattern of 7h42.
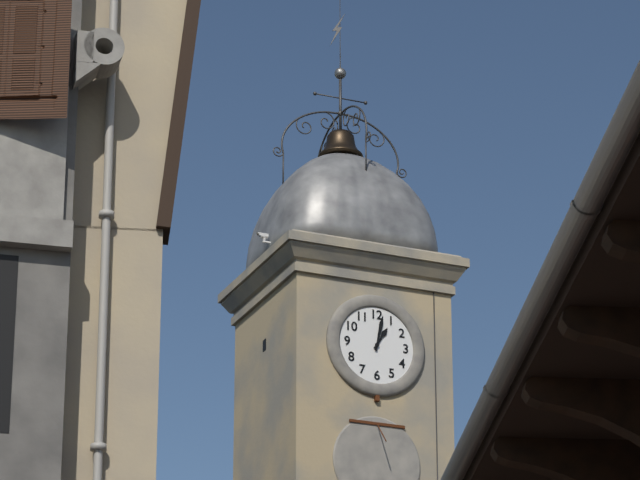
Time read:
1h02
